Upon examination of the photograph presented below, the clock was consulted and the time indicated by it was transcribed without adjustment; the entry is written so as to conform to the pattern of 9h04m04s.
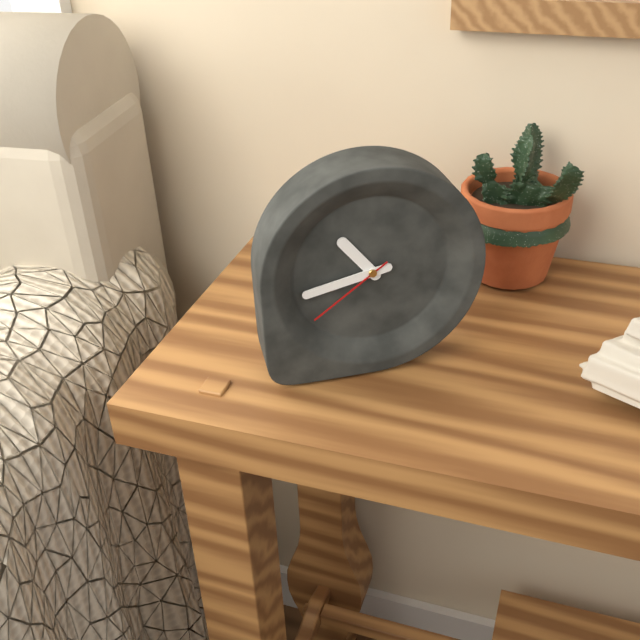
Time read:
10h43m39s
